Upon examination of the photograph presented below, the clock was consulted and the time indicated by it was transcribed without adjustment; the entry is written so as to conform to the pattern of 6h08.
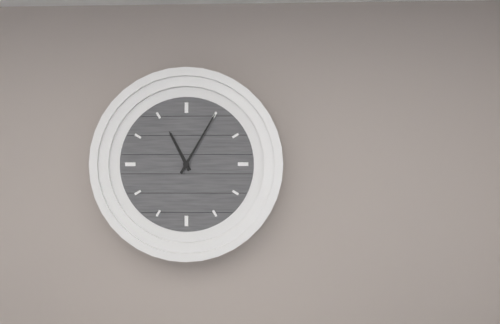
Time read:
11h05
